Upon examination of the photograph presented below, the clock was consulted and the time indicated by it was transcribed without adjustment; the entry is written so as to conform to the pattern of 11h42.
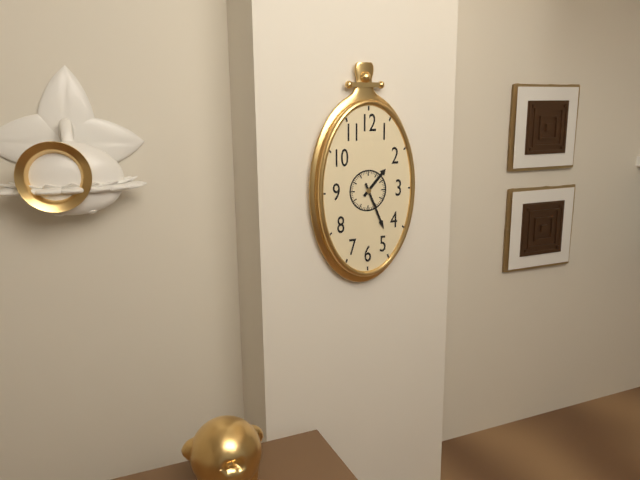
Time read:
1h26
